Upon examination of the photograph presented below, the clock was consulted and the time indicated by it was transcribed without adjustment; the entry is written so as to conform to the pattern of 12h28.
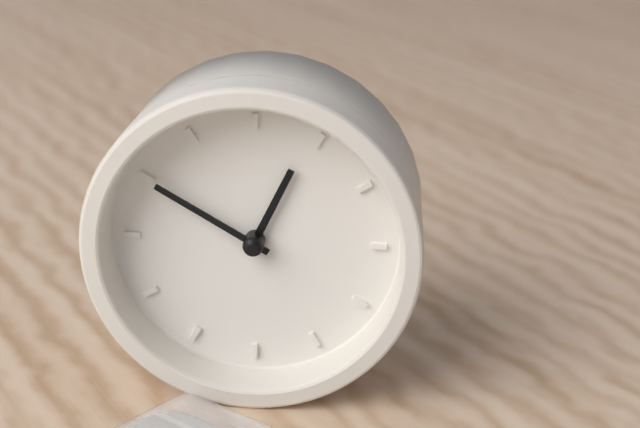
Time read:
12h50
